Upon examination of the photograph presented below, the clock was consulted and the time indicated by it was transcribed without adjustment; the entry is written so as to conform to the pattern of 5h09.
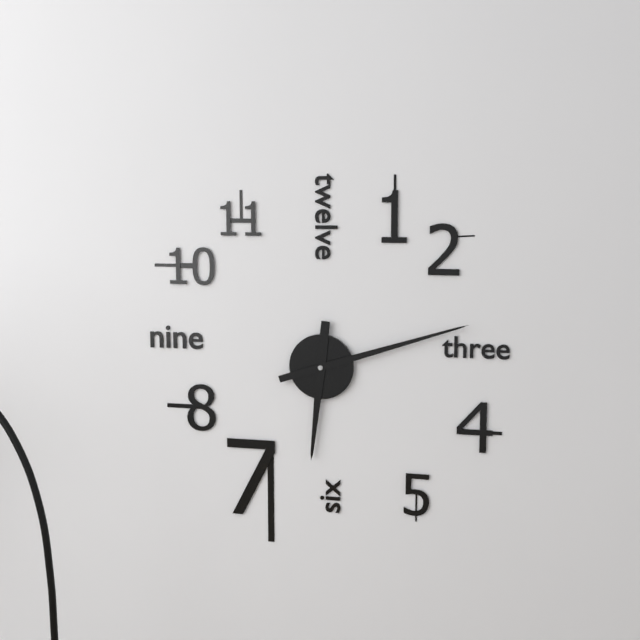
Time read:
6h12
